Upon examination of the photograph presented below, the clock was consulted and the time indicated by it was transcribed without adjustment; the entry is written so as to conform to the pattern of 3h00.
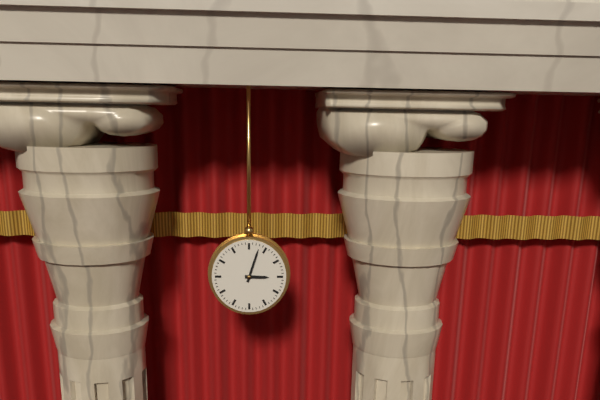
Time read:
3h03
